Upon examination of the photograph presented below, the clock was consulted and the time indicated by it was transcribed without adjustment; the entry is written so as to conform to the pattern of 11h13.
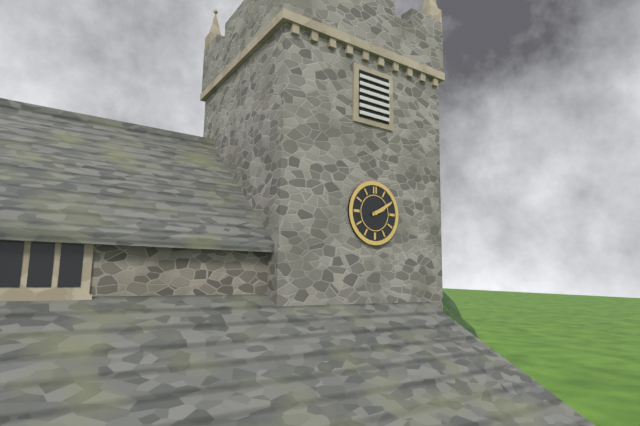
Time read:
2h10
